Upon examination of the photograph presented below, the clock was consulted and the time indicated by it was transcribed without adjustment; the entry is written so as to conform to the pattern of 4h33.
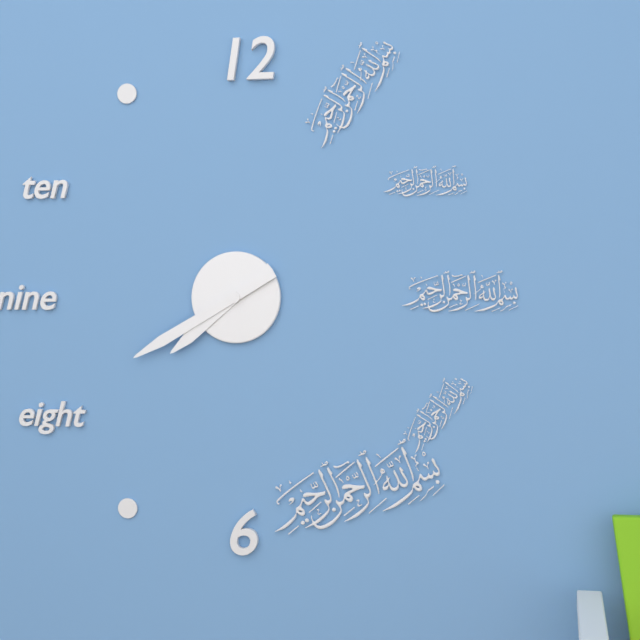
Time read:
7h40
